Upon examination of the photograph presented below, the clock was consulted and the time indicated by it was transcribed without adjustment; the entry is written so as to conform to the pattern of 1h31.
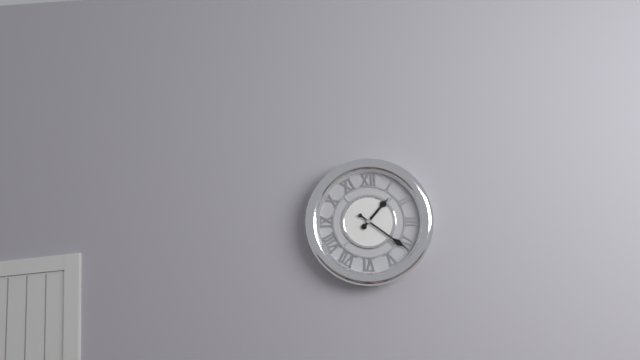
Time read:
1h21
